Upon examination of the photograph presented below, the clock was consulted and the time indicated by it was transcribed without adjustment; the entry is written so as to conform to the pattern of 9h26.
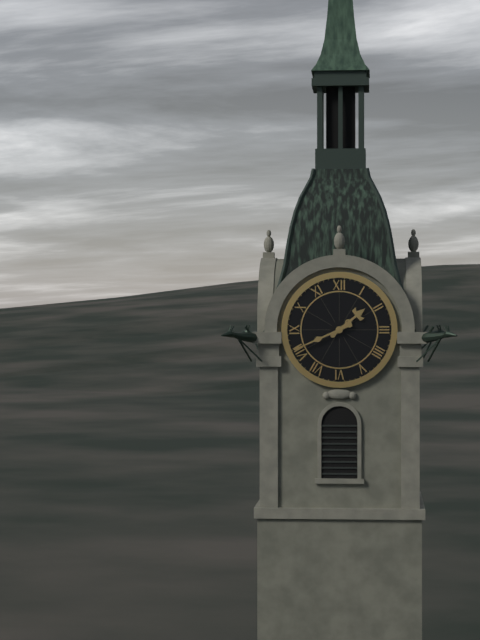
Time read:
1h41
